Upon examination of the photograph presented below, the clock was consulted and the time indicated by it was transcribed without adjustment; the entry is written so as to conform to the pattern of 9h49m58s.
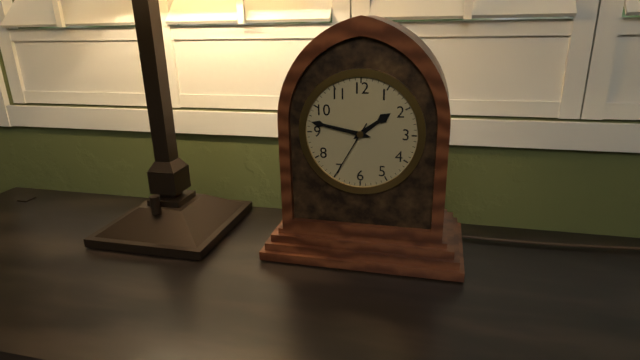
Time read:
1h47m35s
